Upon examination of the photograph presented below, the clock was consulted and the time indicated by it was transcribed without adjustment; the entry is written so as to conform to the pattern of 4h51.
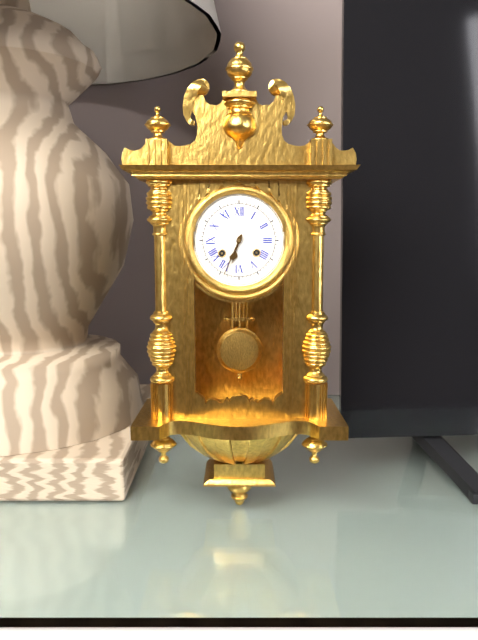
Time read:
6h34
